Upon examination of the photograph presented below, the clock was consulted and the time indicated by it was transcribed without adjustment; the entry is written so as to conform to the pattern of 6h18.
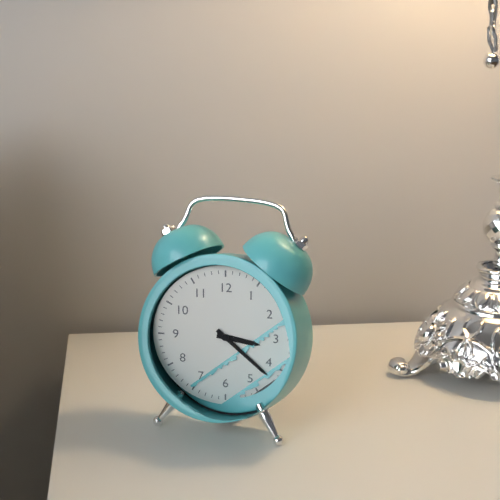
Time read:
3h22
